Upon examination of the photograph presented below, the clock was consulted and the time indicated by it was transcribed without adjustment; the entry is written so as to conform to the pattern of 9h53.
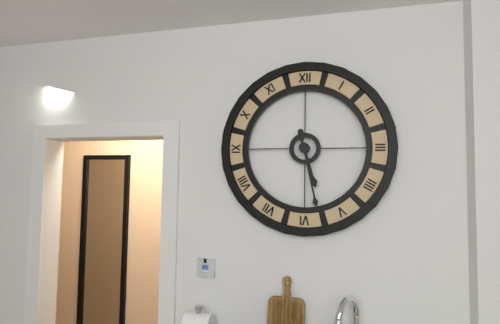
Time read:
5h28
